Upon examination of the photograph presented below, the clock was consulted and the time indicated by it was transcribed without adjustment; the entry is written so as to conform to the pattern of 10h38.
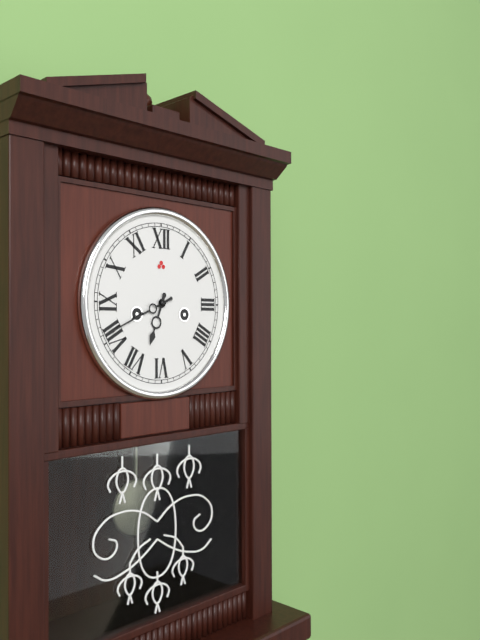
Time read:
6h41
